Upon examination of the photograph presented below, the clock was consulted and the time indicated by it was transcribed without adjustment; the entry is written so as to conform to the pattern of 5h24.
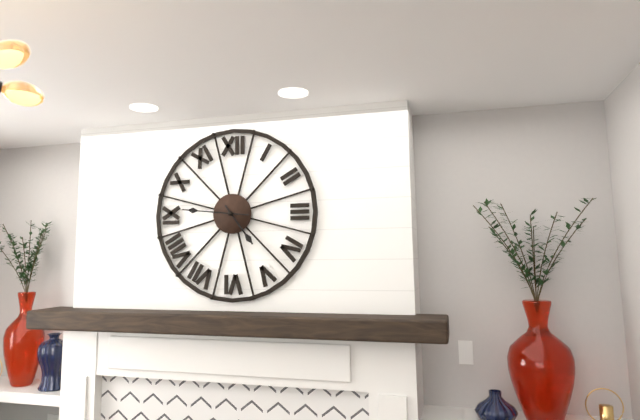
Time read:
4h46
